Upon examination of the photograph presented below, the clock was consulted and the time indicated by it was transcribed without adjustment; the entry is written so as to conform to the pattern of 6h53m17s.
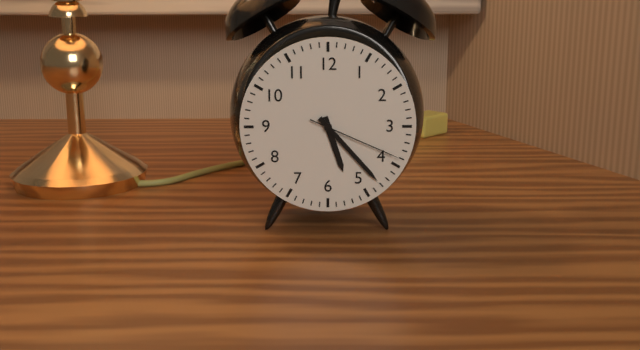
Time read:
5h23m19s
